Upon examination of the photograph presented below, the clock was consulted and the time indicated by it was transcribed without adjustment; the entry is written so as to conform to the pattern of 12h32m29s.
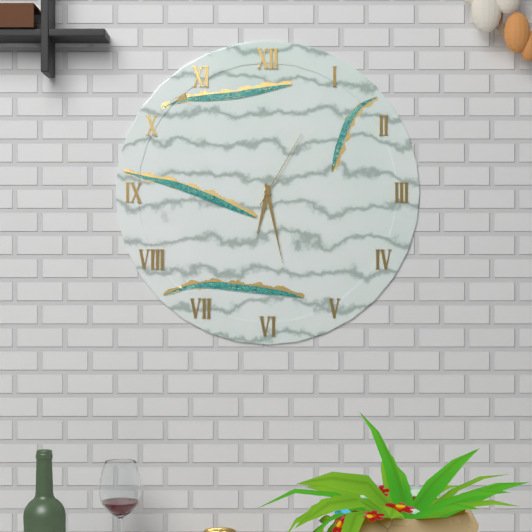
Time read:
6h28m05s
